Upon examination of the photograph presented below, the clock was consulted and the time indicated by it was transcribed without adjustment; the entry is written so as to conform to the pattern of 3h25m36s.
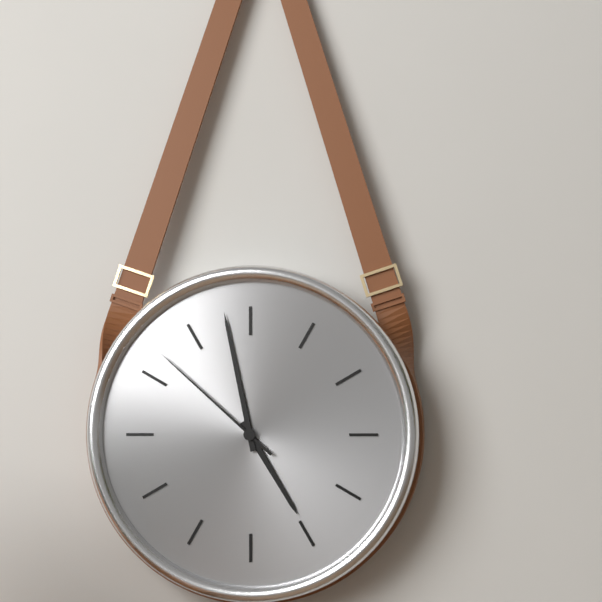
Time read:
4h58m52s
